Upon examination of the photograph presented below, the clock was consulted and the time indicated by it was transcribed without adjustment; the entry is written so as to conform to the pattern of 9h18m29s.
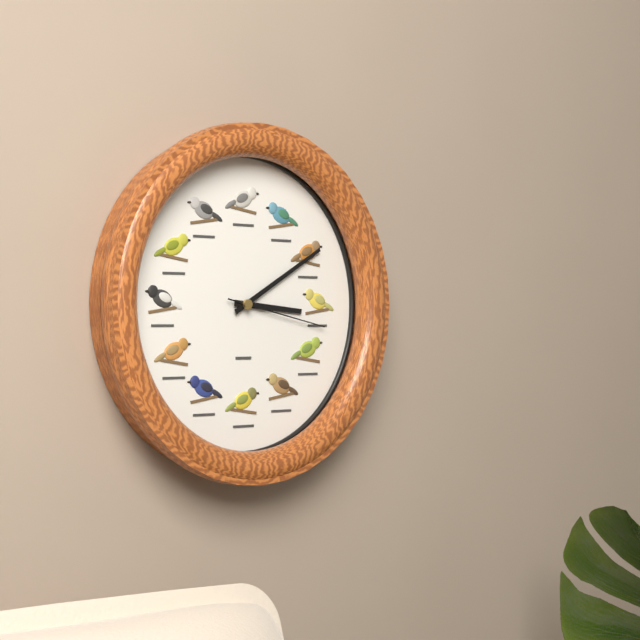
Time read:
3h10m17s
